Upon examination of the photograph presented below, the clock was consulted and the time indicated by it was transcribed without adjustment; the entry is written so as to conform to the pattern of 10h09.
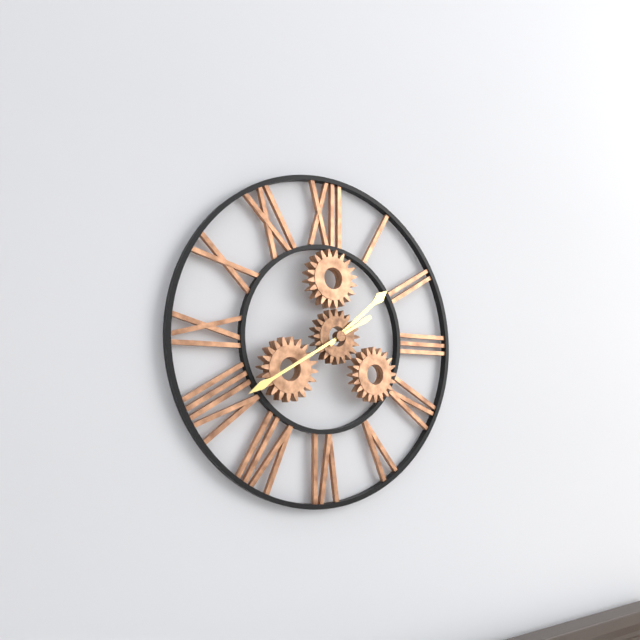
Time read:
1h40
